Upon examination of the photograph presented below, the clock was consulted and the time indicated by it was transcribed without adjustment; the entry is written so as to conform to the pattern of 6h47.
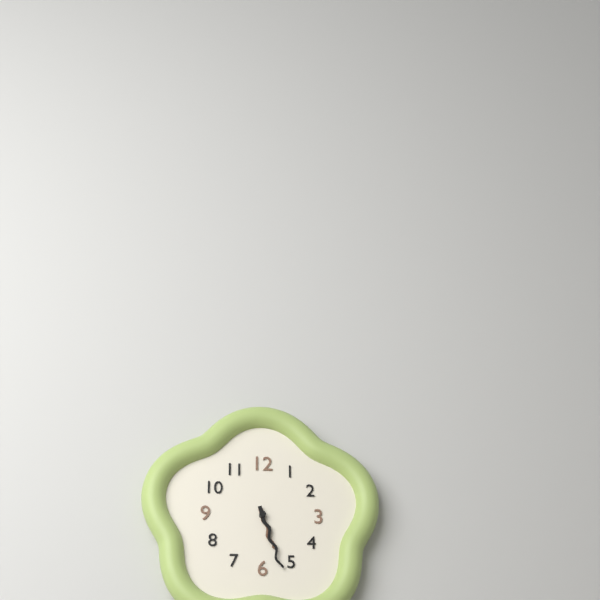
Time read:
5h27
